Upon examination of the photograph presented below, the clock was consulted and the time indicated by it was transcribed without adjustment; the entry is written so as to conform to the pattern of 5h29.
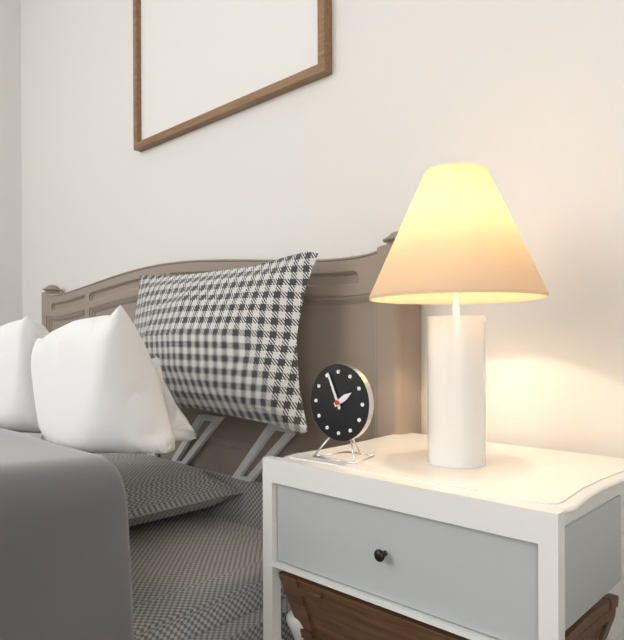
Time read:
1h56
